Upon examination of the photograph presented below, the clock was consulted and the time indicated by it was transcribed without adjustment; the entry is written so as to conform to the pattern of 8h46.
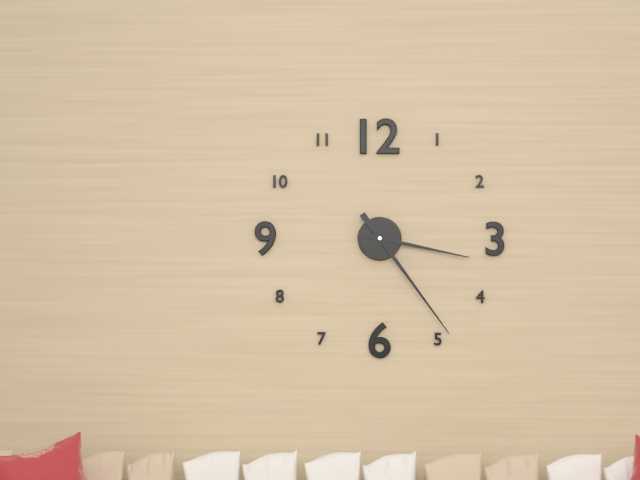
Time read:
3h24
